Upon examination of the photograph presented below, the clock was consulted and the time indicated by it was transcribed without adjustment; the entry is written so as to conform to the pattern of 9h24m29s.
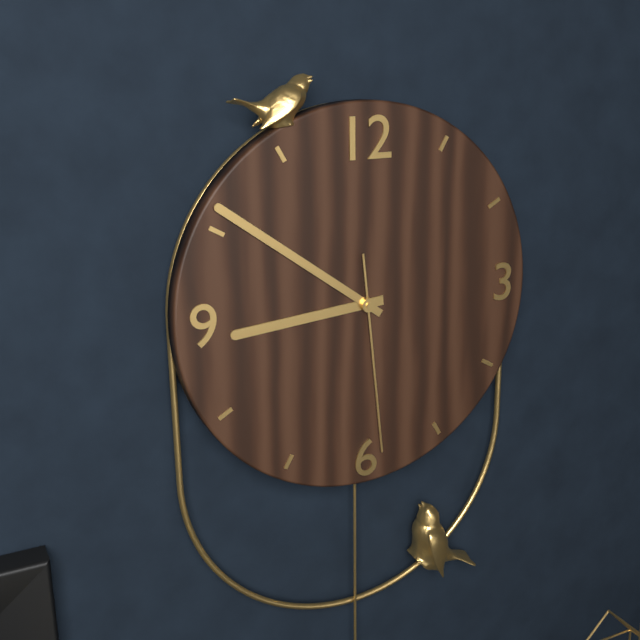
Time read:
8h51m29s
